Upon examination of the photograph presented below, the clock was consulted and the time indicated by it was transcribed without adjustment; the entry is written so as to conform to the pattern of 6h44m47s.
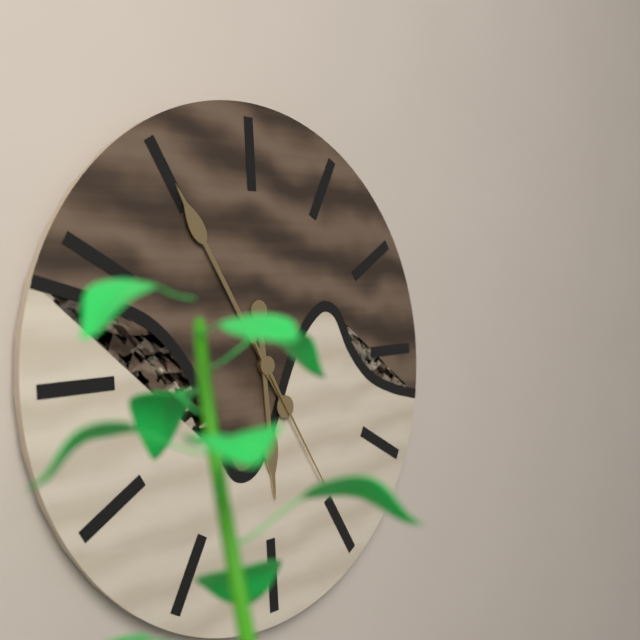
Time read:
5h55m25s
